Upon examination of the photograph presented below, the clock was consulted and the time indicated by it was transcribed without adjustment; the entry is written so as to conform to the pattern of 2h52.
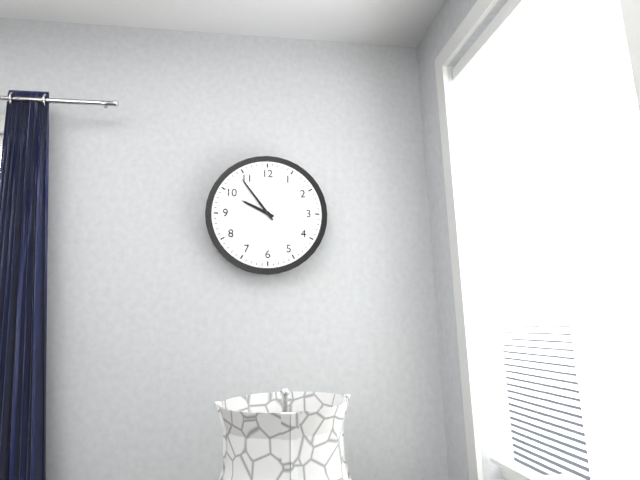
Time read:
9h54
